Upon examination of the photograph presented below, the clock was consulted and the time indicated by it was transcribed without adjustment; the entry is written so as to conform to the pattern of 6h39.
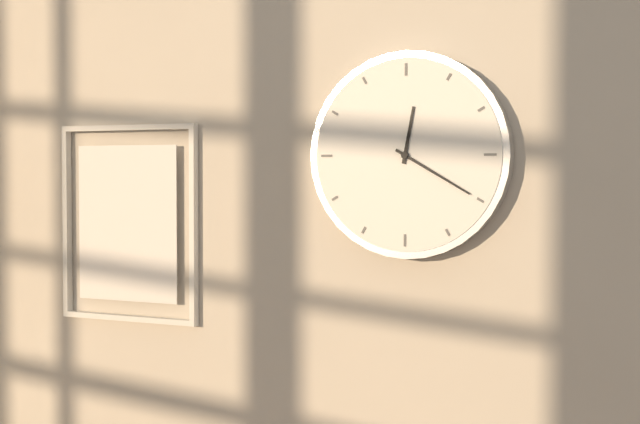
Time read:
12h20
